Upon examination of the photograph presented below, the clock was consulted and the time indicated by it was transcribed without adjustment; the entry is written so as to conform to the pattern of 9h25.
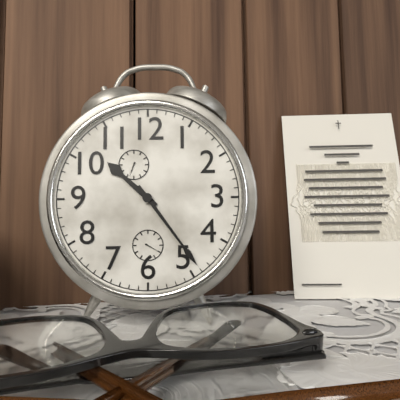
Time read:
10h24
